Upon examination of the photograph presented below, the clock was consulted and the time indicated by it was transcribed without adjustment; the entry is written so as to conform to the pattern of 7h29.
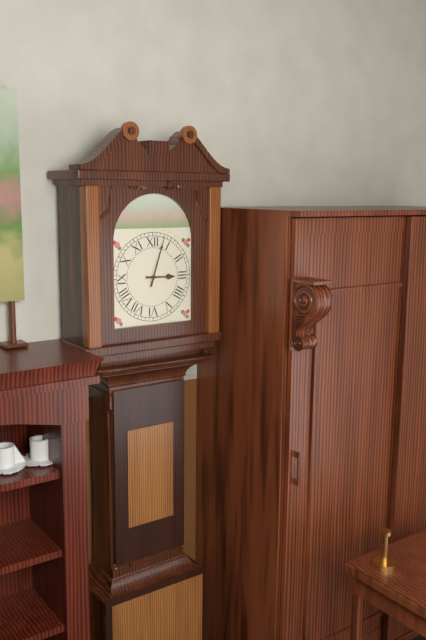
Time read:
3h03
